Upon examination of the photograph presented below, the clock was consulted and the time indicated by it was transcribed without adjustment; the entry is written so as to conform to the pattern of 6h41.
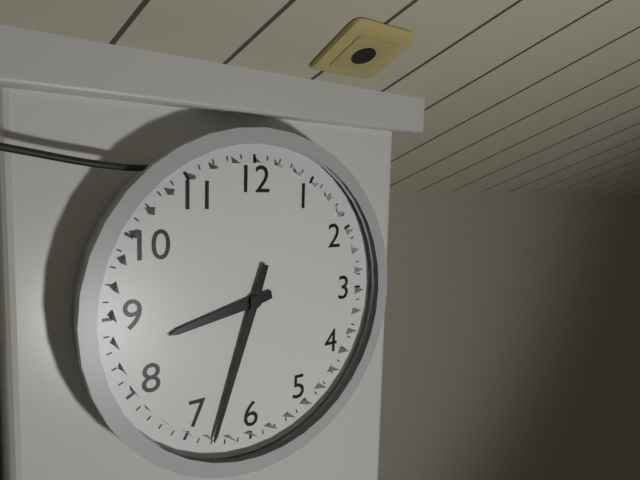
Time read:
8h33
